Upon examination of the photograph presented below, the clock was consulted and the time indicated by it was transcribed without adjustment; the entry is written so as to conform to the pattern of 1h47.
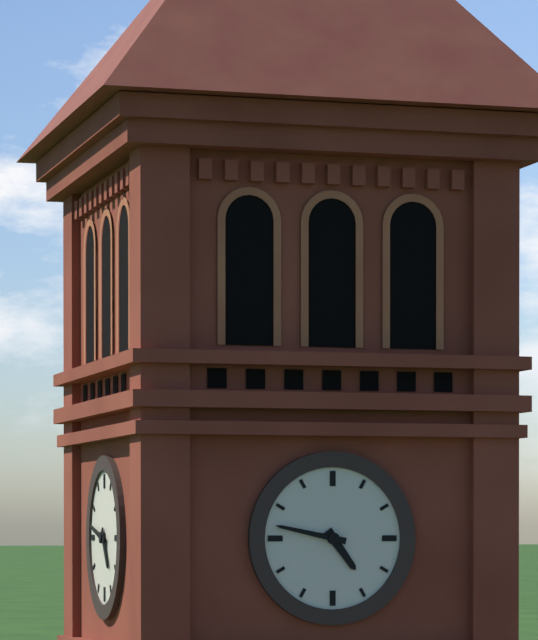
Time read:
4h47
